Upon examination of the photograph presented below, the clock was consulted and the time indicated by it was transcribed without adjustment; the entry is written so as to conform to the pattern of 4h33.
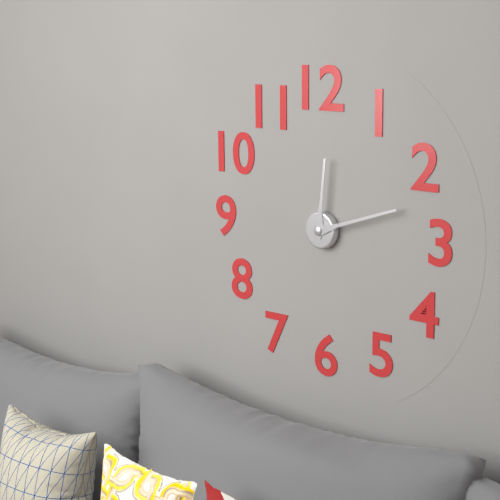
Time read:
12h12
